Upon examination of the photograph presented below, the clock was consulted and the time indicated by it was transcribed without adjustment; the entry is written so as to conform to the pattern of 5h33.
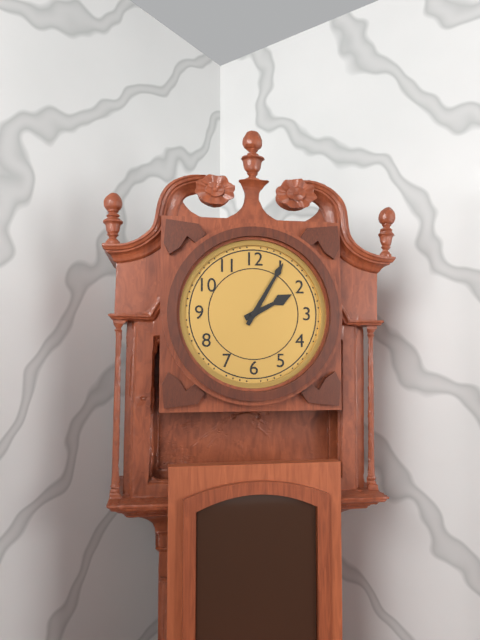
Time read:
2h05
